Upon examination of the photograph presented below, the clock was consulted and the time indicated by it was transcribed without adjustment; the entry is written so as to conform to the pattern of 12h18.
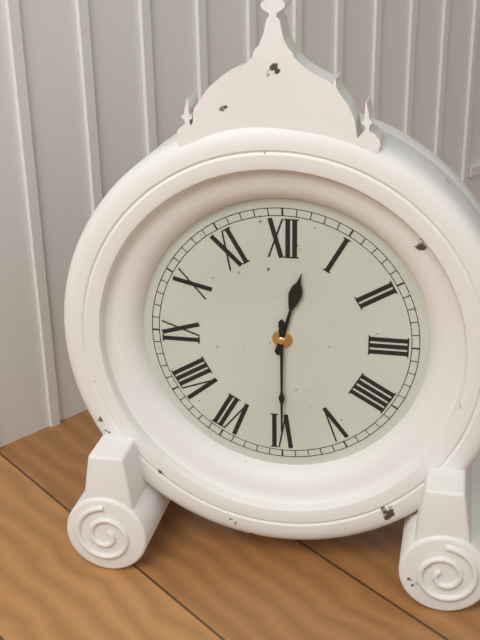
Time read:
12h30
